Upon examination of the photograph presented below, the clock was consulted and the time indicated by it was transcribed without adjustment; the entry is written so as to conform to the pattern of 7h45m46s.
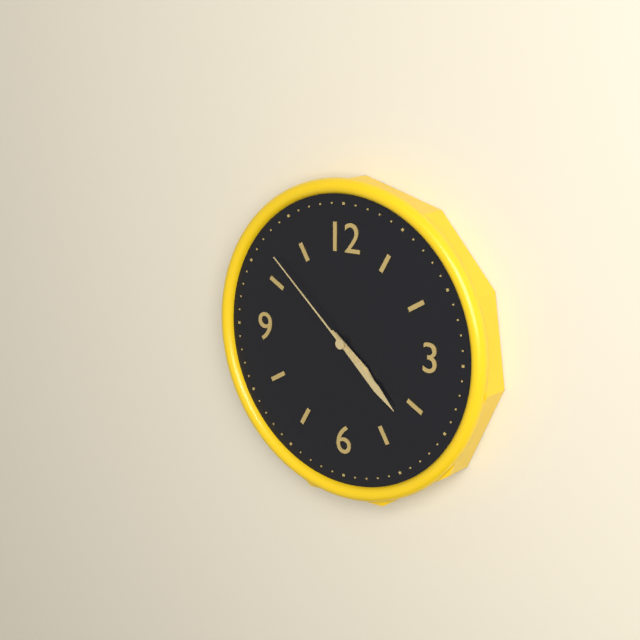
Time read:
4h22m52s
